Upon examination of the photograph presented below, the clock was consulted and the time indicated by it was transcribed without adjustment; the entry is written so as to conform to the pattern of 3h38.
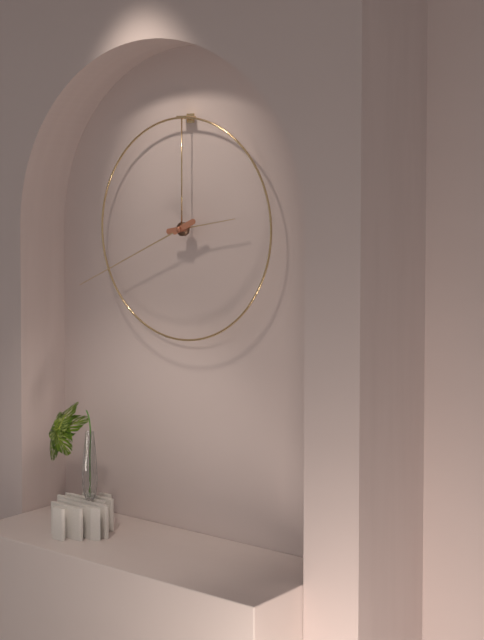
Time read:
2h41
